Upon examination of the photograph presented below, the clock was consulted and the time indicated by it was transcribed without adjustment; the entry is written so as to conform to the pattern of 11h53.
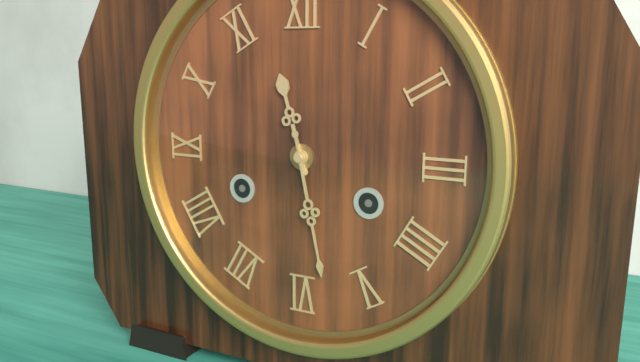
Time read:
11h28
